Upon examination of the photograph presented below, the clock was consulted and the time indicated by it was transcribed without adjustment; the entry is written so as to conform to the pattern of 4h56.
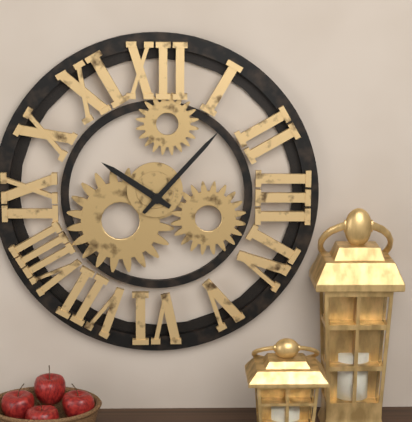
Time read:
10h07
